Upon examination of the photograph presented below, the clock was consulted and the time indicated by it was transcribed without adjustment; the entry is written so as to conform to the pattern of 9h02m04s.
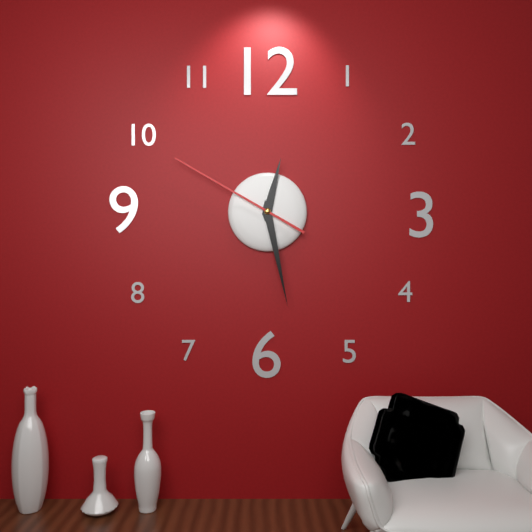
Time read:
12h28m50s
